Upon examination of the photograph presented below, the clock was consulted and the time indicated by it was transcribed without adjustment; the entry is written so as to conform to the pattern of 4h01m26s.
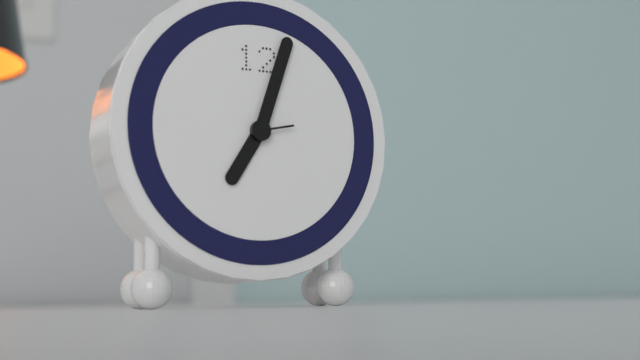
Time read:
7h03m13s
